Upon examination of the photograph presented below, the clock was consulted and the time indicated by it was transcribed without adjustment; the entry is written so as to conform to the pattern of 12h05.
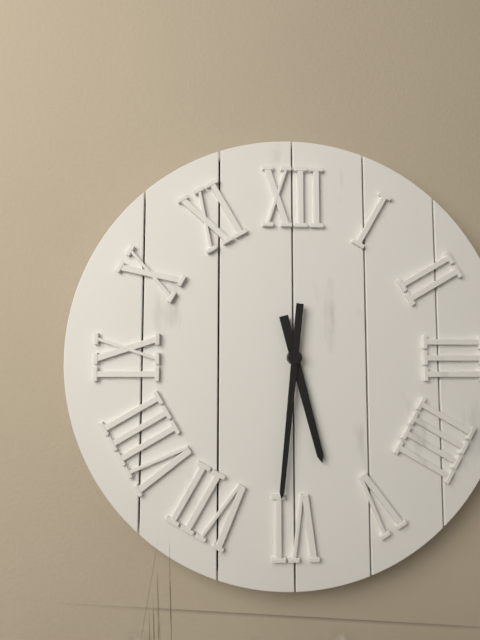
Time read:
5h31
